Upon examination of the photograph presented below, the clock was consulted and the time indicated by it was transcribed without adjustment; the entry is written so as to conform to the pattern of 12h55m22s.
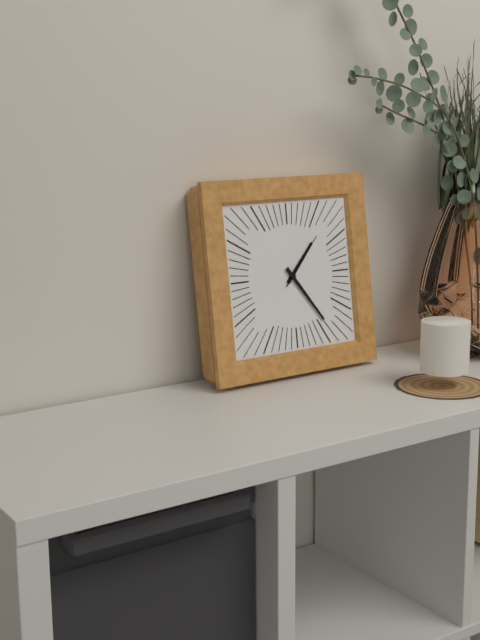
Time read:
1h24m07s
